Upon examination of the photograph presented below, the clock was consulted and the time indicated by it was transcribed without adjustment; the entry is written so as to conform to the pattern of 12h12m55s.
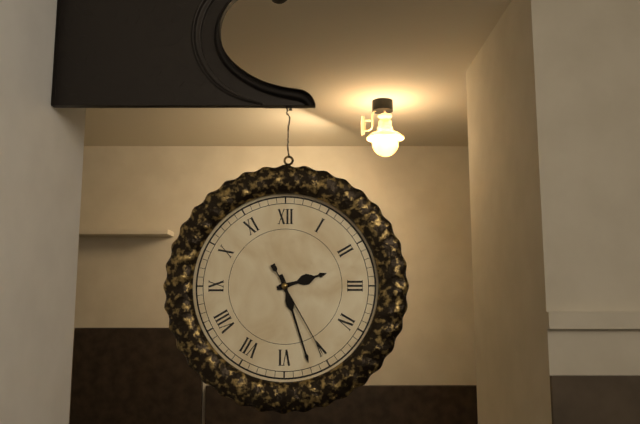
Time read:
2h27m25s
